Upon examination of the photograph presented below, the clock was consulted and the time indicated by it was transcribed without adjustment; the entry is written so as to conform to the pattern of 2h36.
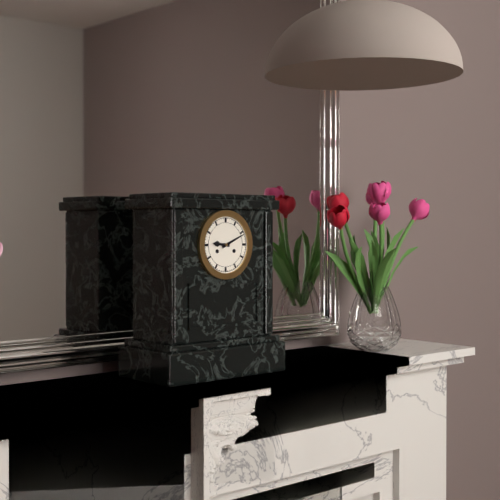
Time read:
9h11
